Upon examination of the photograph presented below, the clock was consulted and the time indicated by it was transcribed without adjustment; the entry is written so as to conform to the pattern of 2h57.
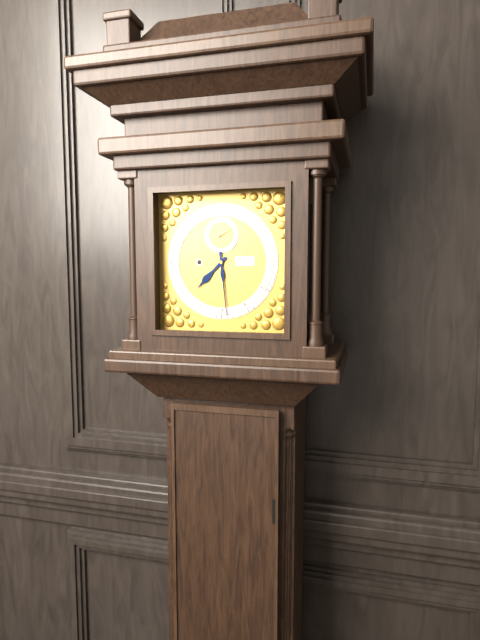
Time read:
7h29
